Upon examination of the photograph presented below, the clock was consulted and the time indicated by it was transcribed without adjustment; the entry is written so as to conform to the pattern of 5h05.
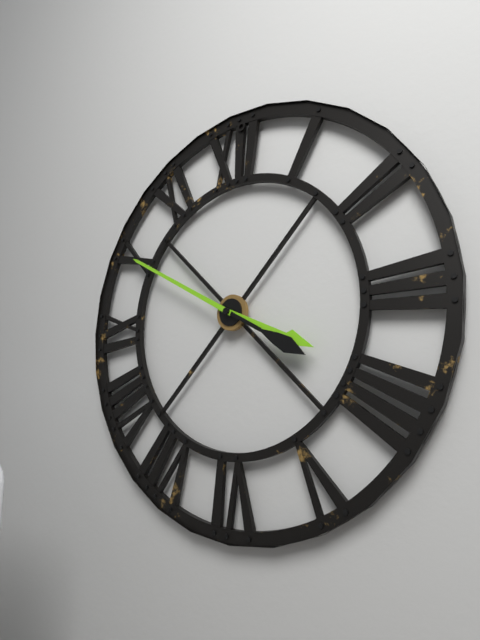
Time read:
3h50
